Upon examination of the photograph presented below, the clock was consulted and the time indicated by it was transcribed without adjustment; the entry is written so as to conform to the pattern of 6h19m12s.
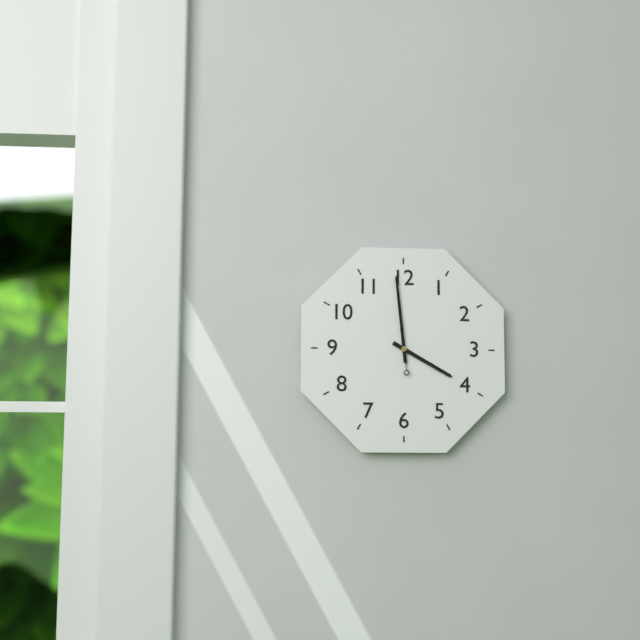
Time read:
3h59m59s
